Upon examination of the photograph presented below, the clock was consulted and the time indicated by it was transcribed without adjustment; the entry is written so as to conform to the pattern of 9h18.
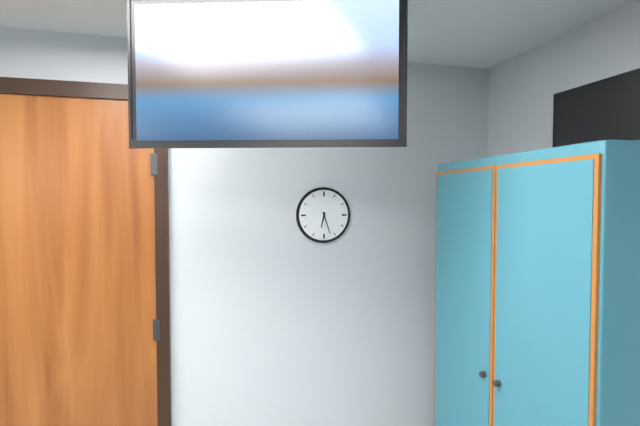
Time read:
6h27
